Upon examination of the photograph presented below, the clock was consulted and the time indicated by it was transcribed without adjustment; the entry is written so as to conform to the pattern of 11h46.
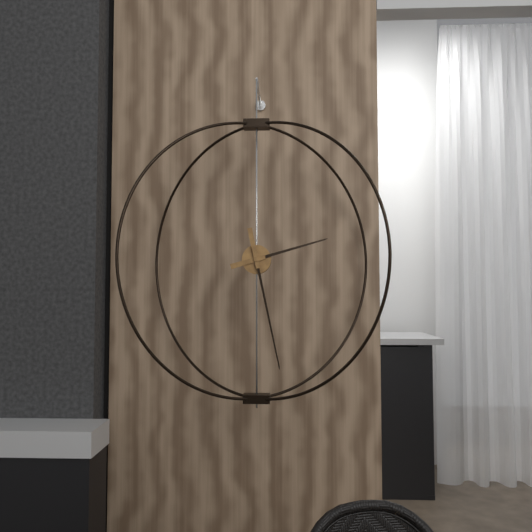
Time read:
2h28
